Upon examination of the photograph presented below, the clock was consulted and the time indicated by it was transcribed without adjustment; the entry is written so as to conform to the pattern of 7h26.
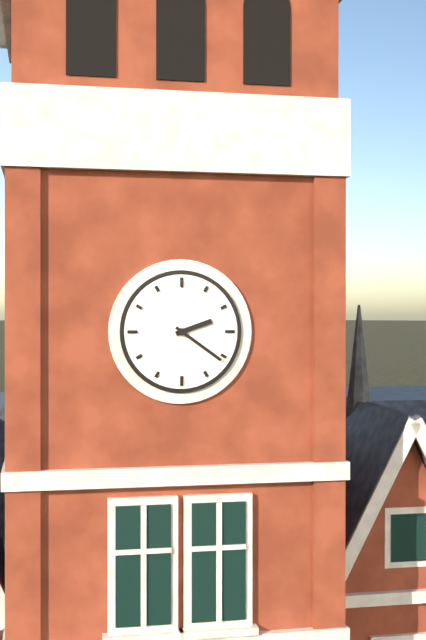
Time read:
2h21
